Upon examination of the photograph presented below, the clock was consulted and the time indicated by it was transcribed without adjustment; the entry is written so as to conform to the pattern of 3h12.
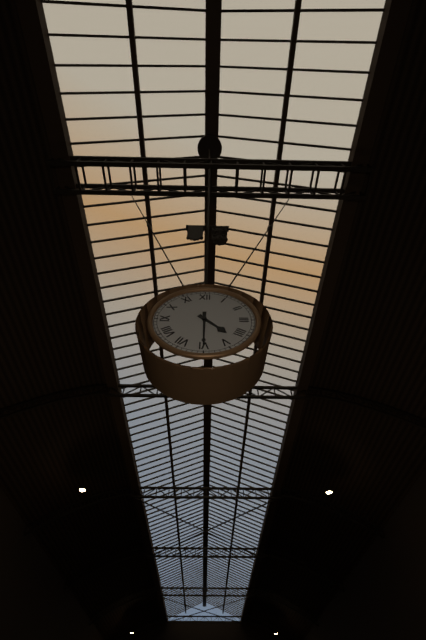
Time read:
4h30
